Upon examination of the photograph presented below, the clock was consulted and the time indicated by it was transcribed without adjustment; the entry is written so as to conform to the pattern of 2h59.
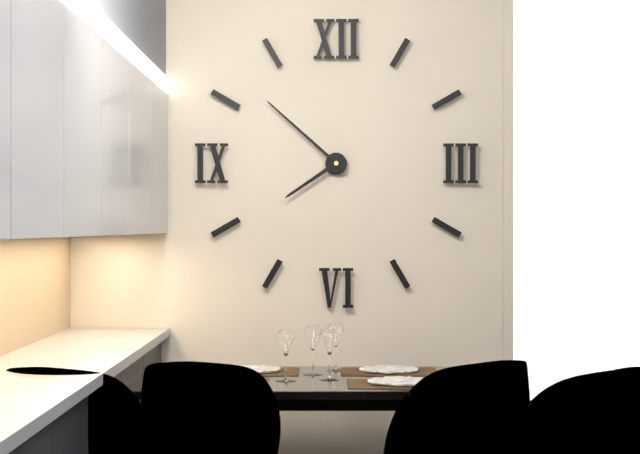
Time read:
7h52
